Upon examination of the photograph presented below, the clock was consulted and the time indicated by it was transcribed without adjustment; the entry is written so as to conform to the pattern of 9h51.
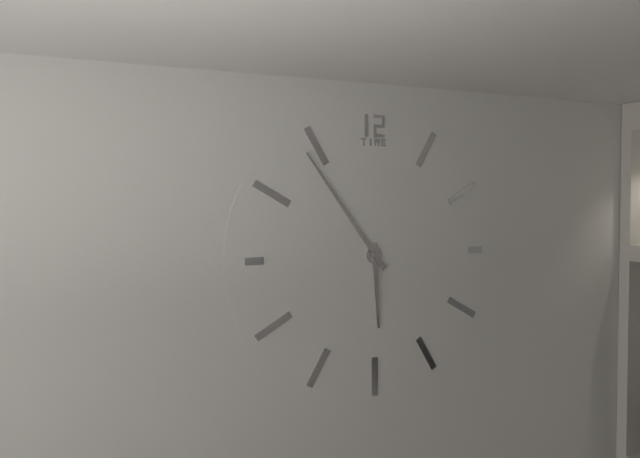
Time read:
5h54
